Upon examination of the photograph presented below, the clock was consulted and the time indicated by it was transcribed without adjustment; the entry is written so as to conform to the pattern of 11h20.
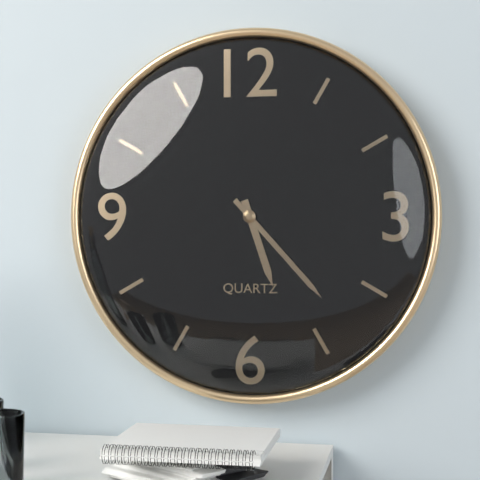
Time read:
5h23
